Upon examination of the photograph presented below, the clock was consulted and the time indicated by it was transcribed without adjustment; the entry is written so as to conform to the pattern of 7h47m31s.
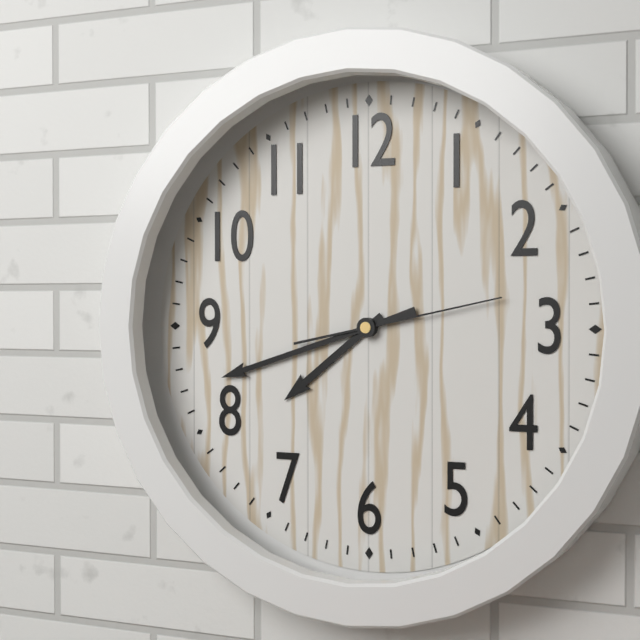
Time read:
7h42m13s
